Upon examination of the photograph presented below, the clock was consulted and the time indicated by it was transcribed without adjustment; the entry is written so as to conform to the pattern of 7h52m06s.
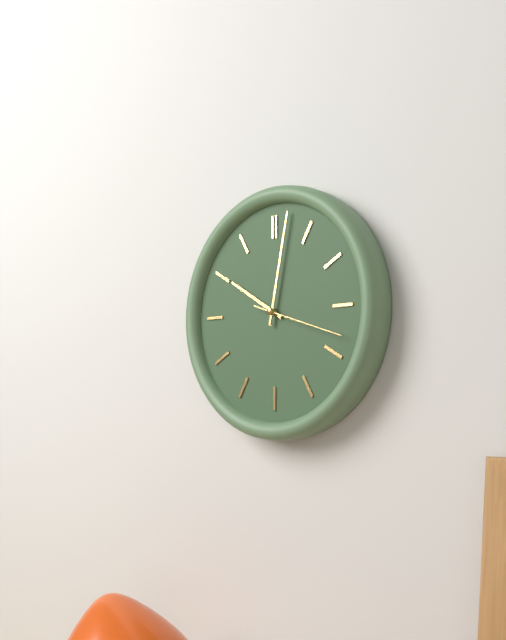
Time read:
10h02m18s
